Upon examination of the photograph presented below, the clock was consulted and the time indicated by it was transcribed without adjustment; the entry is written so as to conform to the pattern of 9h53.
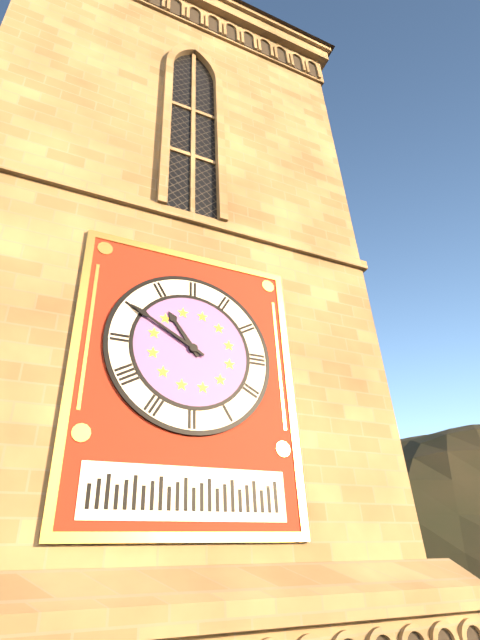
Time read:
10h50
